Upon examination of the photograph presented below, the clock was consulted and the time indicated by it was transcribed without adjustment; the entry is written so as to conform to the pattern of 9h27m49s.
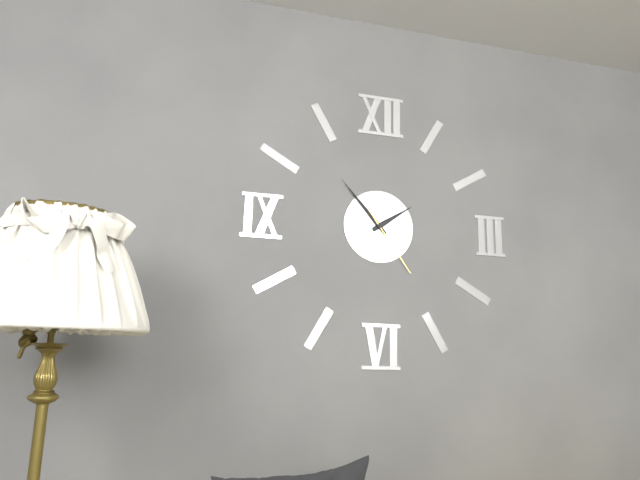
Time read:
1h53m24s
